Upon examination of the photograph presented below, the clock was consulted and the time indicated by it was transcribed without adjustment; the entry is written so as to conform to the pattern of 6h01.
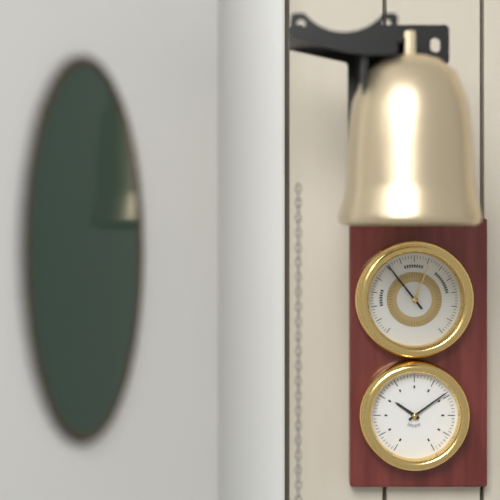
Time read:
10h09
